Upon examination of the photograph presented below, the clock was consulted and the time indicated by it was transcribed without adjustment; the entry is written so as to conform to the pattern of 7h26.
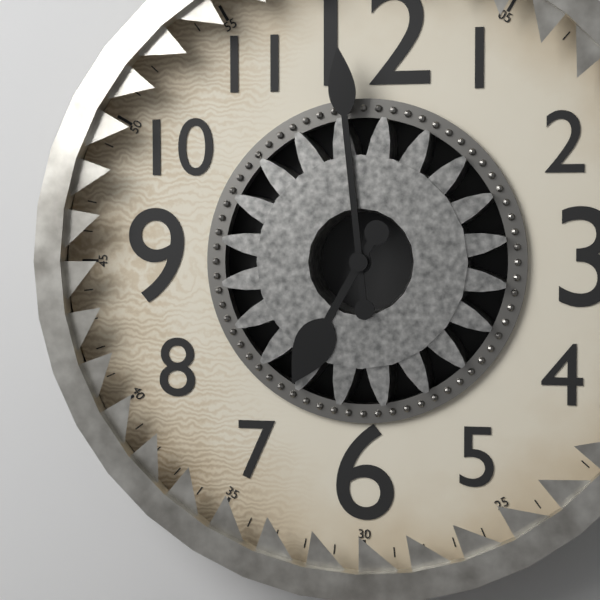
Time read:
6h59
